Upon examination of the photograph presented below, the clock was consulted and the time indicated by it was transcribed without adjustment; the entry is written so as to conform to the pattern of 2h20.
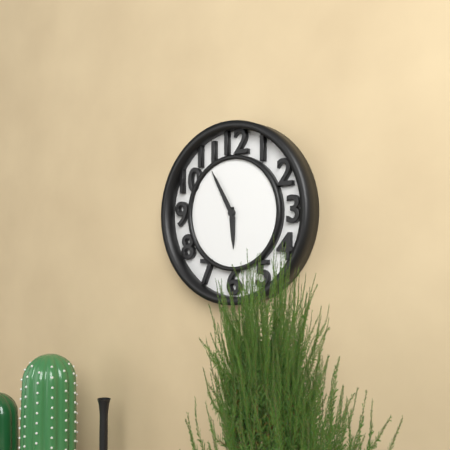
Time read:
5h55
